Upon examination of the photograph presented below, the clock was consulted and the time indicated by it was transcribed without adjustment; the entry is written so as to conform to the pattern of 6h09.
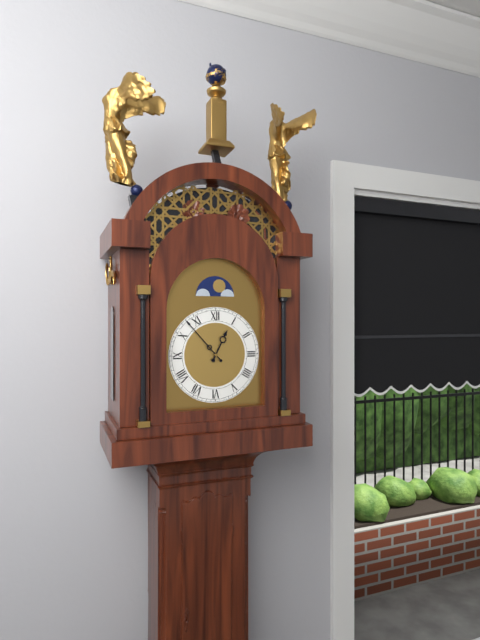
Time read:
12h53
